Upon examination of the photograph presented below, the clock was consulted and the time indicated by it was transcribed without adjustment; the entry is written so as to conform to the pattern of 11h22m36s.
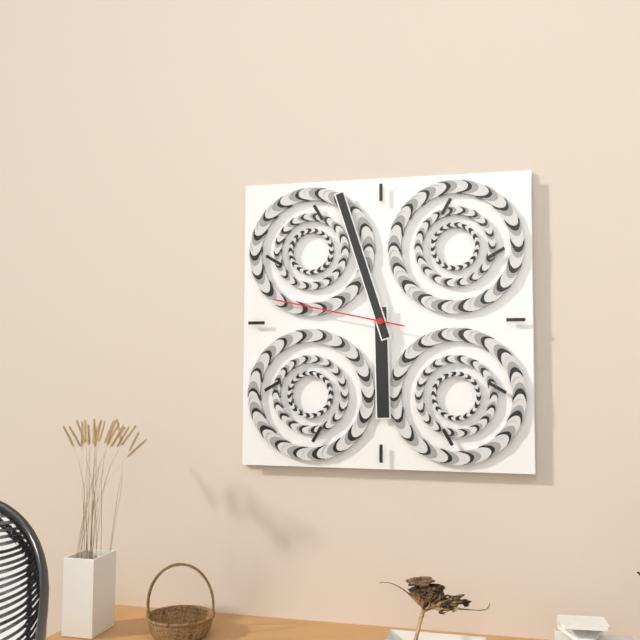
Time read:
5h57m47s
